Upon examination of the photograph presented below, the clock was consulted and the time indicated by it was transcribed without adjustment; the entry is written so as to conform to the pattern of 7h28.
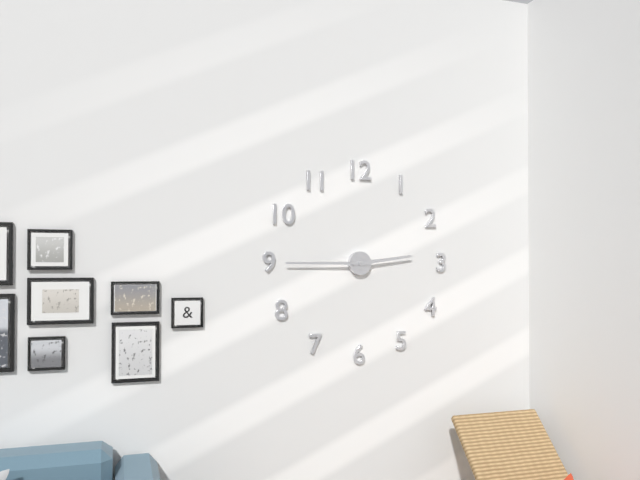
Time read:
2h45
